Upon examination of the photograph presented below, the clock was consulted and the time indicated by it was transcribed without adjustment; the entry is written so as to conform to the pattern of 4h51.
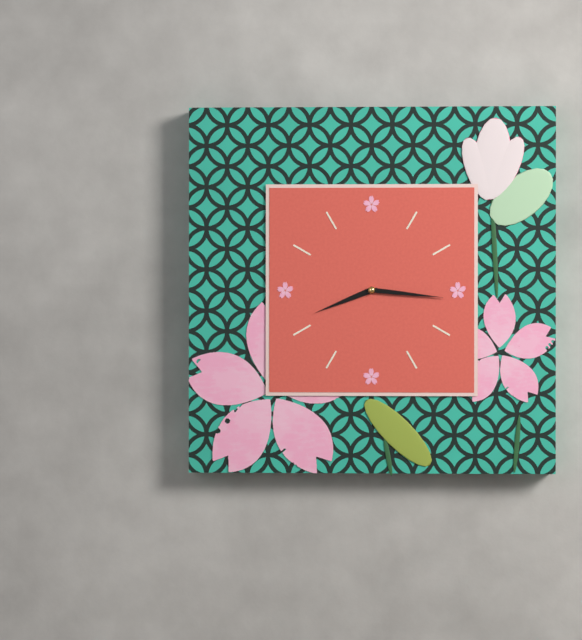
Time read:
8h16
